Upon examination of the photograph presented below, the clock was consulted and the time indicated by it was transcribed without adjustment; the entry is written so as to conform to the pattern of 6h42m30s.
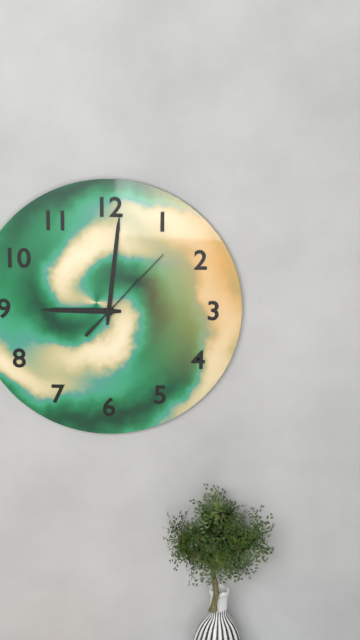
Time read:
9h01m07s
